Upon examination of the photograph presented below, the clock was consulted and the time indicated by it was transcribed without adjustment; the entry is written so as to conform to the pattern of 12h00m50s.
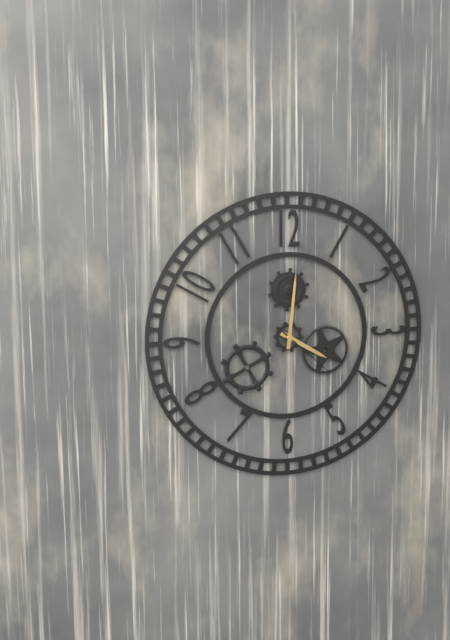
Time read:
4h01m22s
